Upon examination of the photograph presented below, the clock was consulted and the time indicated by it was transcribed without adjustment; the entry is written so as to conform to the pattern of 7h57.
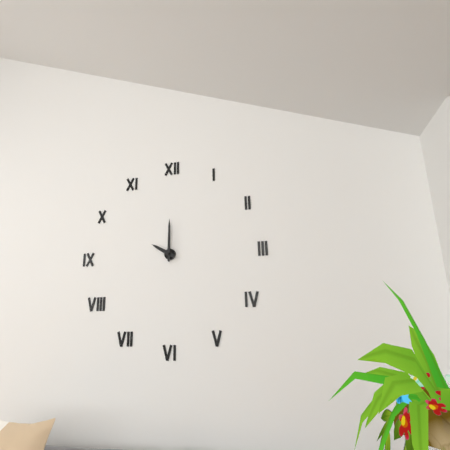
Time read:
10h00
